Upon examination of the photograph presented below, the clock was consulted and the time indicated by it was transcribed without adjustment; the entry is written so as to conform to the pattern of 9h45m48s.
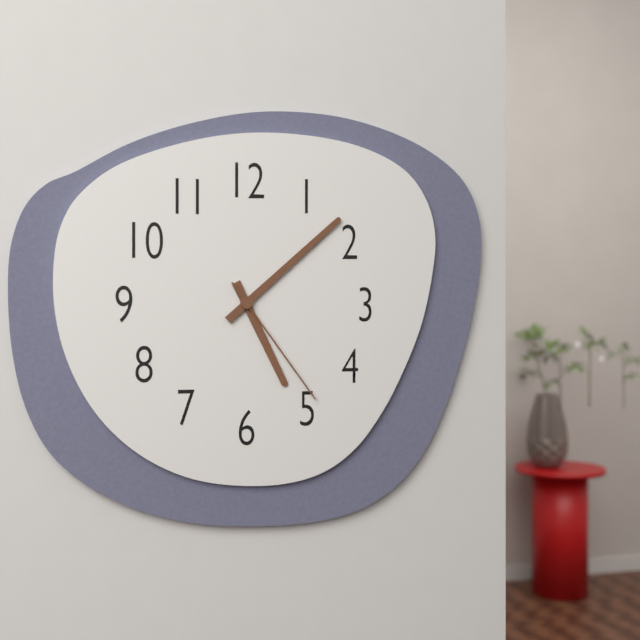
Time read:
5h08m24s
